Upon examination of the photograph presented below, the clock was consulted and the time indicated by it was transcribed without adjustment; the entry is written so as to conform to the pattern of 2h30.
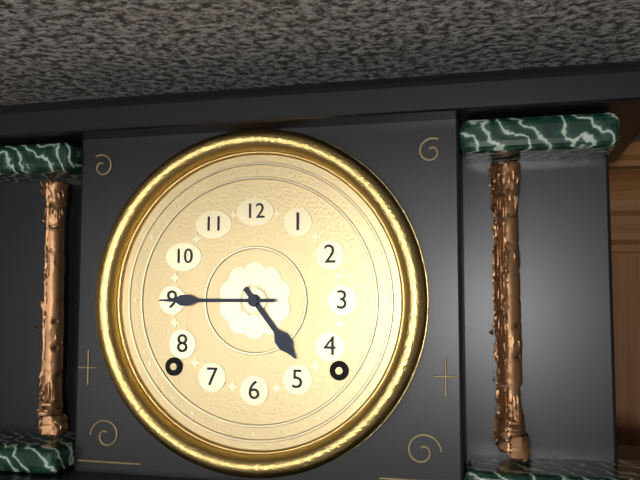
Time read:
4h45
